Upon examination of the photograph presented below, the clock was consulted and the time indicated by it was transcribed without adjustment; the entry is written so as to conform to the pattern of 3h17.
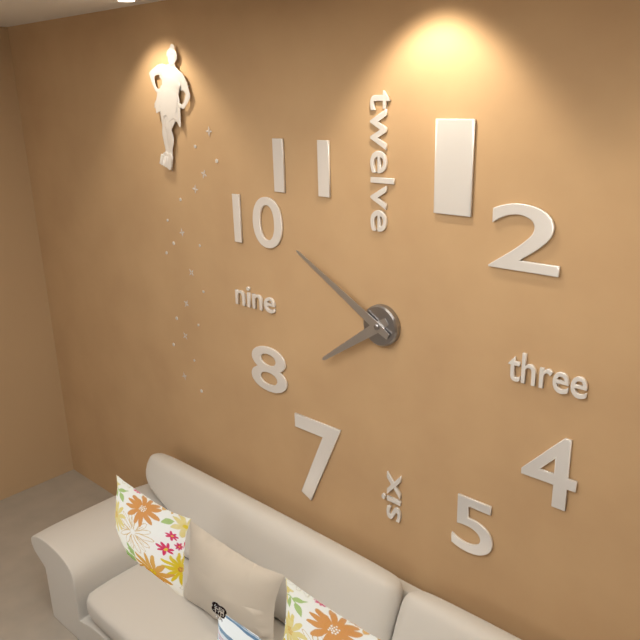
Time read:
7h50
